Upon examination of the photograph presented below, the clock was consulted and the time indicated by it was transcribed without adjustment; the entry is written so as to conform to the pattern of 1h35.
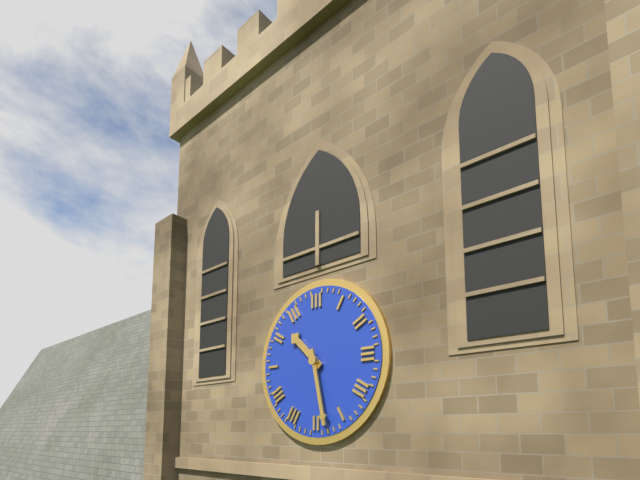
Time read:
10h28
